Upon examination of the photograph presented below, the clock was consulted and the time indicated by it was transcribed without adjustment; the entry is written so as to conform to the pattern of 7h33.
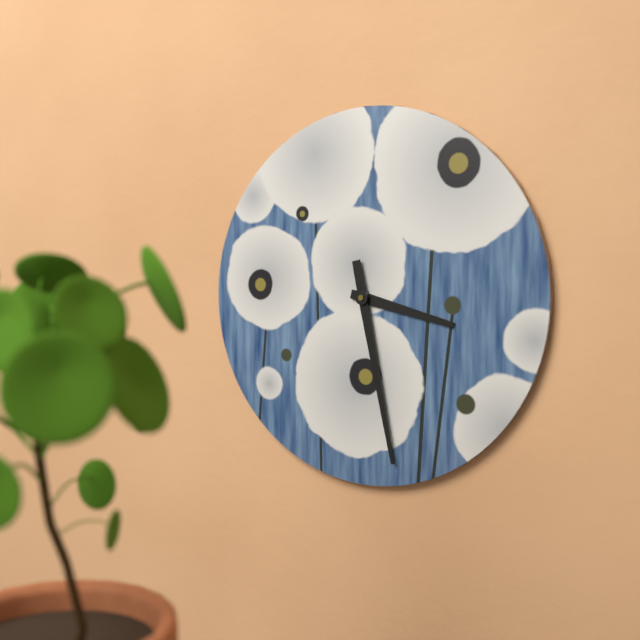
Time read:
3h28
